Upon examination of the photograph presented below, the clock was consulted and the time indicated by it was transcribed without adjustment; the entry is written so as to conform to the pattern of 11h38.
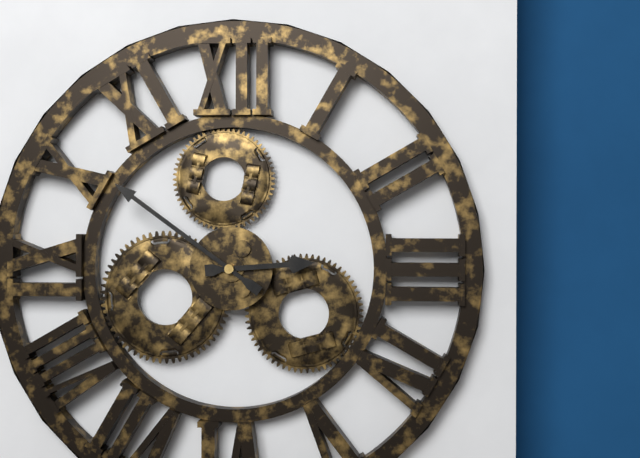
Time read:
2h51
